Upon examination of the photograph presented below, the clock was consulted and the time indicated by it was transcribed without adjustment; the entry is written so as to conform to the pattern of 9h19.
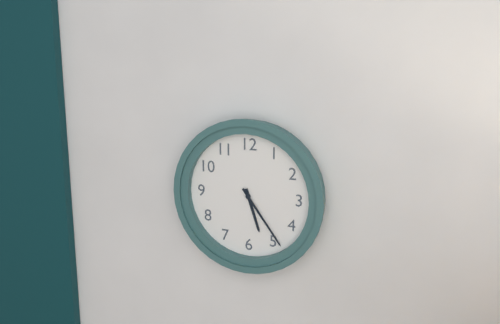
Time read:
5h24
